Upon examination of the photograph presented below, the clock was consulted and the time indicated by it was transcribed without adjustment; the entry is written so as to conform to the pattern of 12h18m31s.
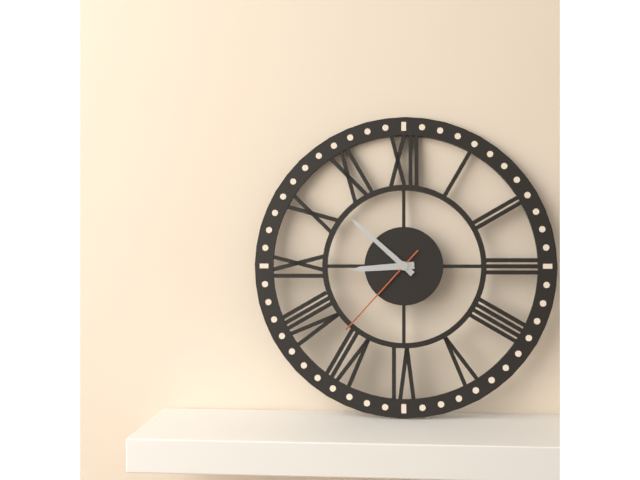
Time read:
8h52m37s
